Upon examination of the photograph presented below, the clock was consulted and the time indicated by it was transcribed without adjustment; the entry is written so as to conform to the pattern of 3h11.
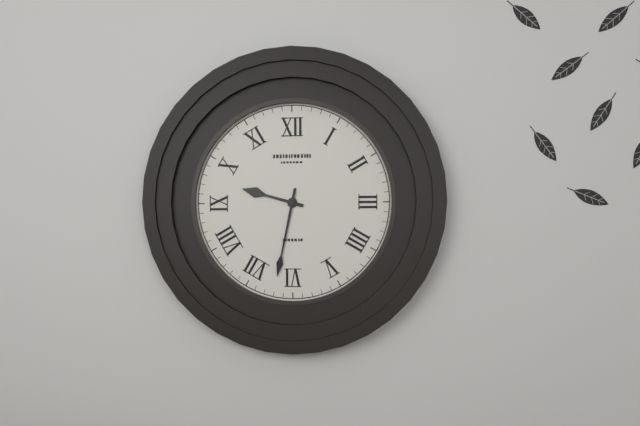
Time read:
9h32
